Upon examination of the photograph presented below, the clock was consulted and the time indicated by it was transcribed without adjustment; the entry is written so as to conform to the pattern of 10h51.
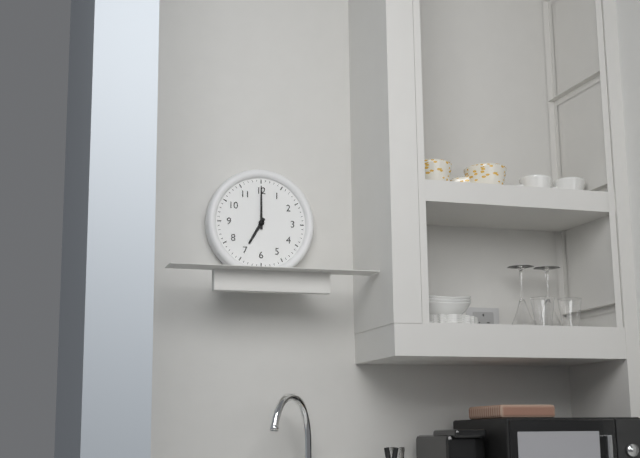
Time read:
7h00
